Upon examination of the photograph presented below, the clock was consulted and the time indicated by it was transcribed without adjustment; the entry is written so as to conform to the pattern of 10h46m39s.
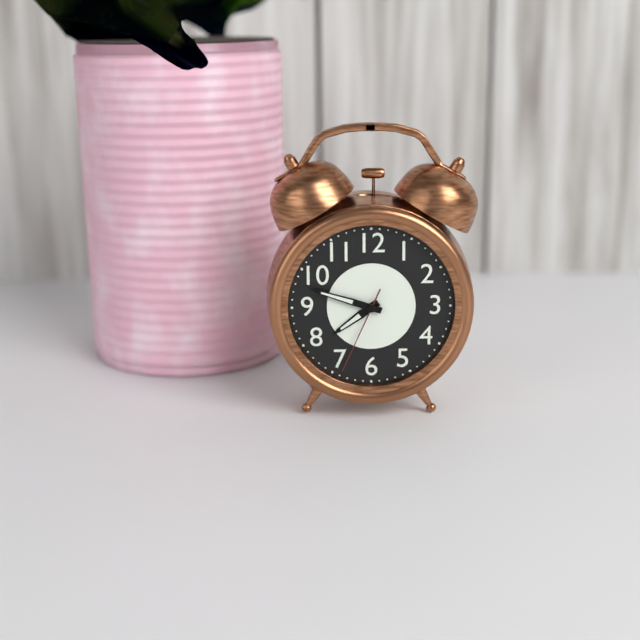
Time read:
7h48m34s
